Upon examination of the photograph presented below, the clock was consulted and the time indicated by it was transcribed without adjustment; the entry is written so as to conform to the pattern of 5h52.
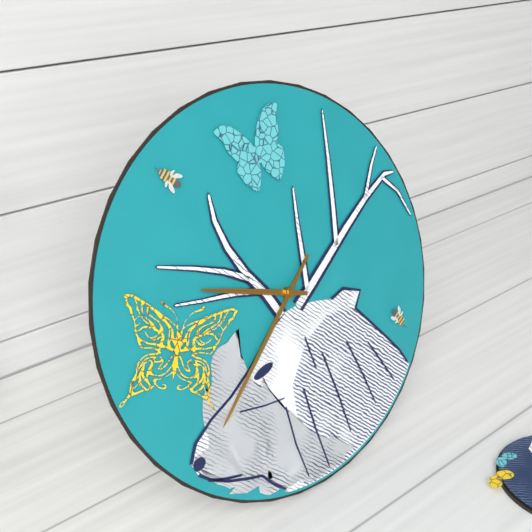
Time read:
9h38
